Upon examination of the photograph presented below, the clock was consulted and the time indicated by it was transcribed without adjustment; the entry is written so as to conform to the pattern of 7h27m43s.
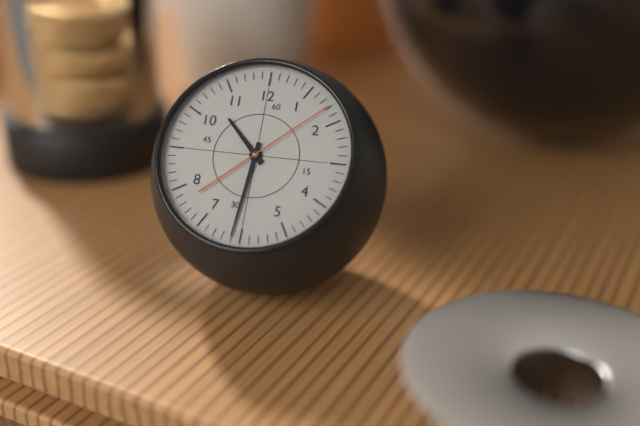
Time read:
10h31m08s
